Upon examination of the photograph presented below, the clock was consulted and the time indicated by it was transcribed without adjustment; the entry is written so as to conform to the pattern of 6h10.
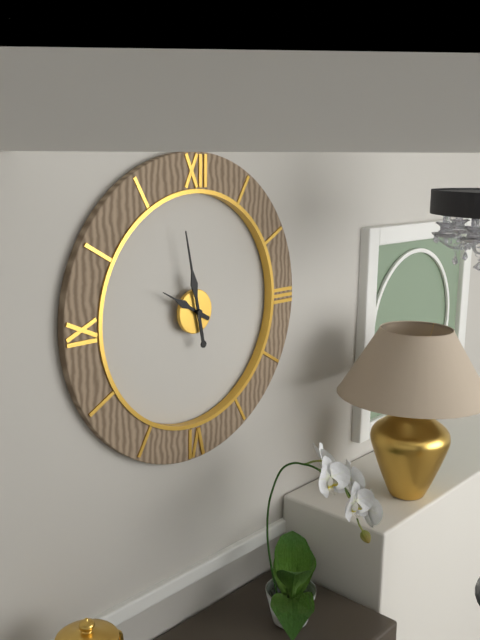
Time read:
9h58
